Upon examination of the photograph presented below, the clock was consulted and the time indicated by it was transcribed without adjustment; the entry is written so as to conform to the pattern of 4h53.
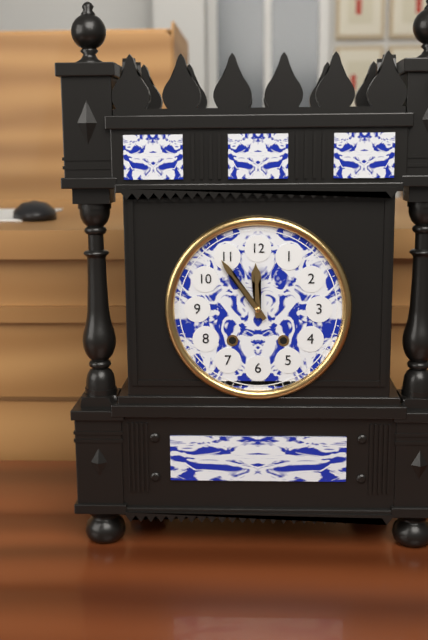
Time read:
11h54
